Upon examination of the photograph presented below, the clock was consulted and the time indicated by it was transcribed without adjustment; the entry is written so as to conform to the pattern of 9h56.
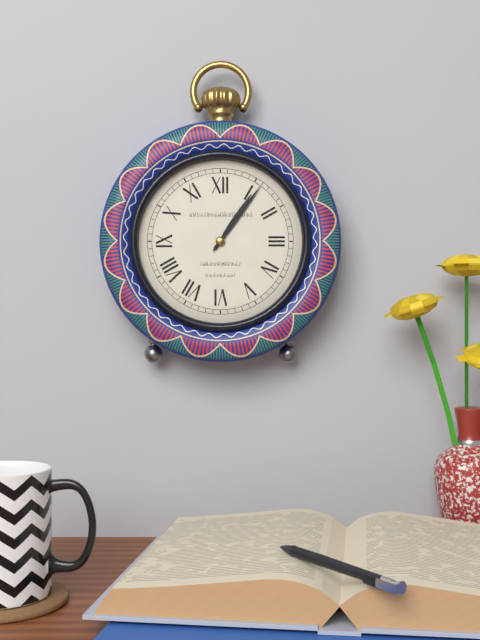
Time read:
1h06
